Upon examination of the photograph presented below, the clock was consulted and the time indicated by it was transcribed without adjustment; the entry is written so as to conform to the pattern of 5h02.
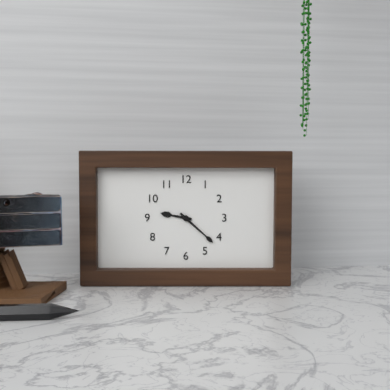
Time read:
9h22
